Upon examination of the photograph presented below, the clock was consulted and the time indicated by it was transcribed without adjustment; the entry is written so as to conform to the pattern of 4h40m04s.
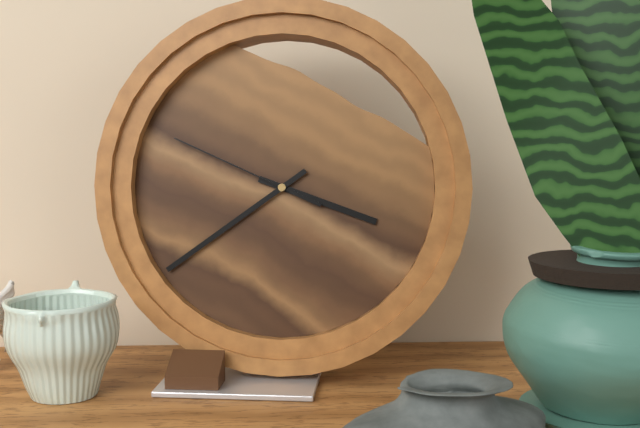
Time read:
3h39m49s
